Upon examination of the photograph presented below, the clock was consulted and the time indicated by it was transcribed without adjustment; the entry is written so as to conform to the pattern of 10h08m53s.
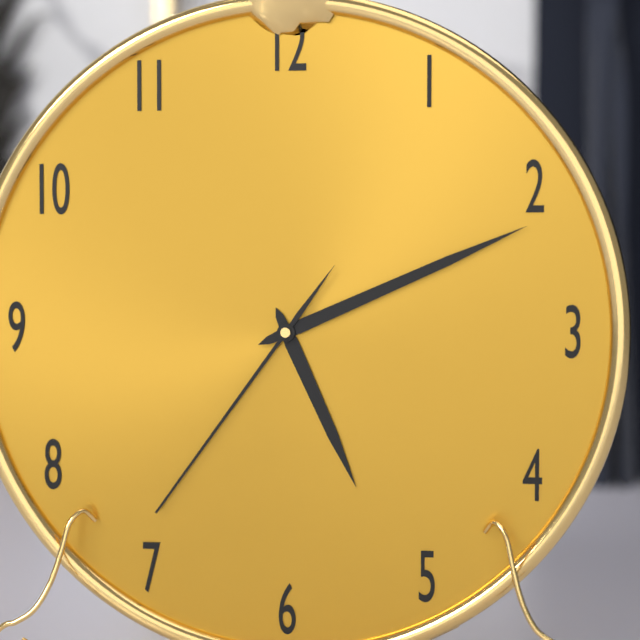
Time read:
5h11m36s
